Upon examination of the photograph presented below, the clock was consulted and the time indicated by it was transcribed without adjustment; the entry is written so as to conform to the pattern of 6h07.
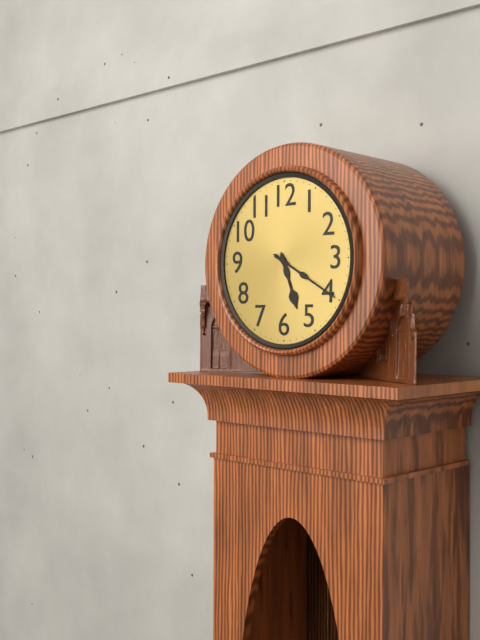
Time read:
5h20
